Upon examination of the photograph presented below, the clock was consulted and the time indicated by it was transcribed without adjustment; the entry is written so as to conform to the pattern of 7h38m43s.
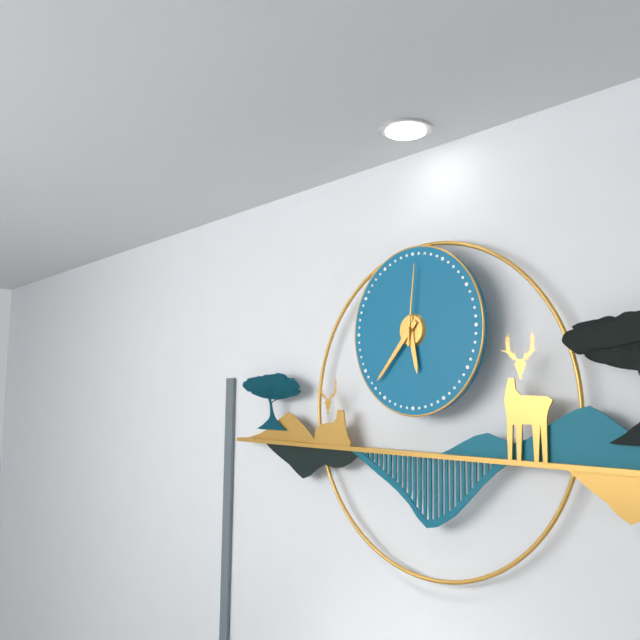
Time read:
5h37m01s
